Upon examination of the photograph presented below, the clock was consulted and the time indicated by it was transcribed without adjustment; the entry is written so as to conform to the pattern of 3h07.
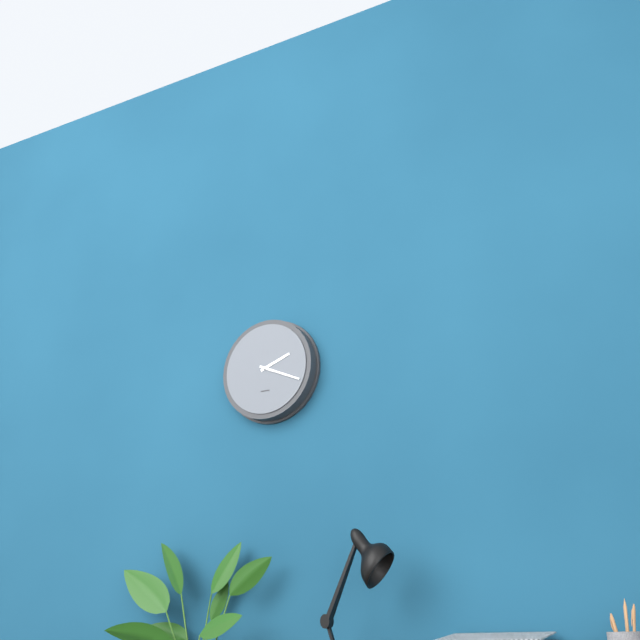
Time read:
2h19
